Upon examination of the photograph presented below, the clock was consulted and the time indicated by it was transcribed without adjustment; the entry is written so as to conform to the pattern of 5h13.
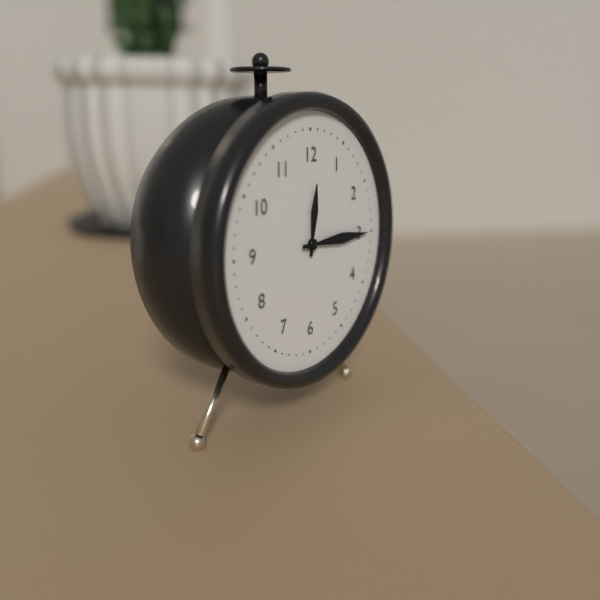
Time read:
12h15
